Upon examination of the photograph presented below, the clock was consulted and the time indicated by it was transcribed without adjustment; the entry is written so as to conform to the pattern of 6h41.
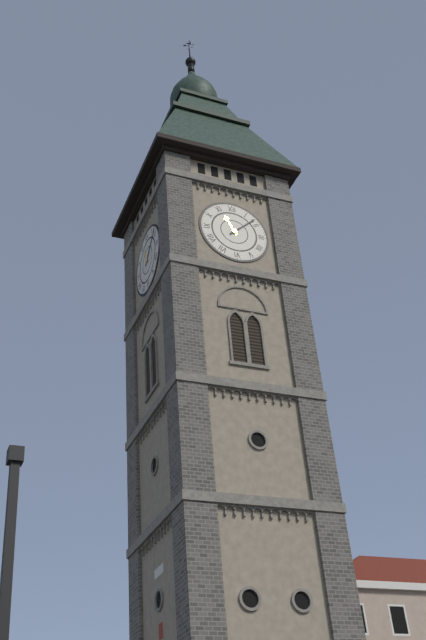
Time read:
11h08
